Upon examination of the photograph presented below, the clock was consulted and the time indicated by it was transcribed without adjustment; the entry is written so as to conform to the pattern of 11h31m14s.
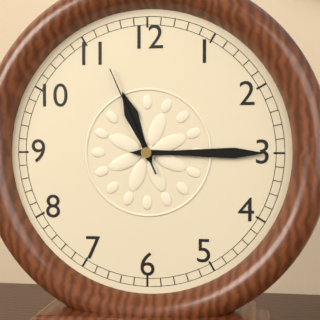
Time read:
11h15m56s
